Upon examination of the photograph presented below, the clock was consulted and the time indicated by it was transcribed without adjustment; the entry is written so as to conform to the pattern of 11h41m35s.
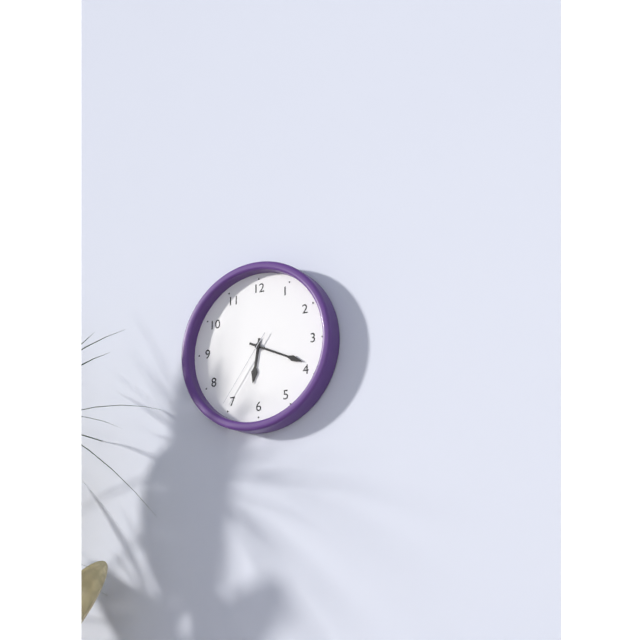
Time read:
6h19m36s
